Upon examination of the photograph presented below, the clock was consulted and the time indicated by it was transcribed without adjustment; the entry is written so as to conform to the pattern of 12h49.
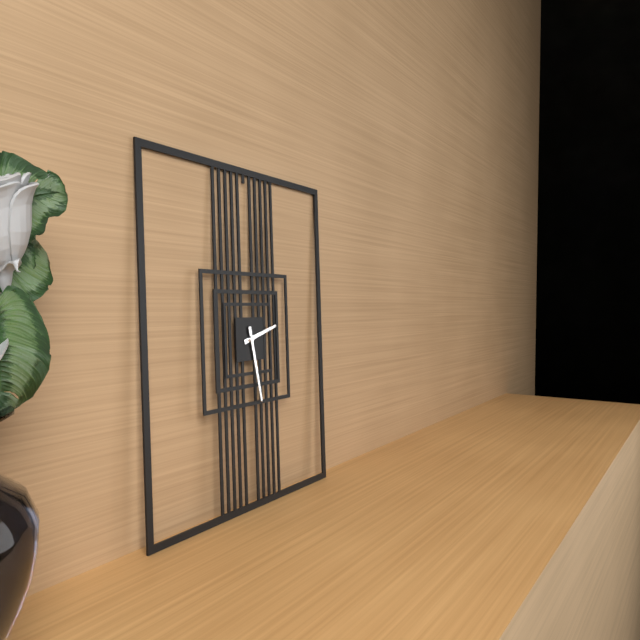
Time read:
2h28
